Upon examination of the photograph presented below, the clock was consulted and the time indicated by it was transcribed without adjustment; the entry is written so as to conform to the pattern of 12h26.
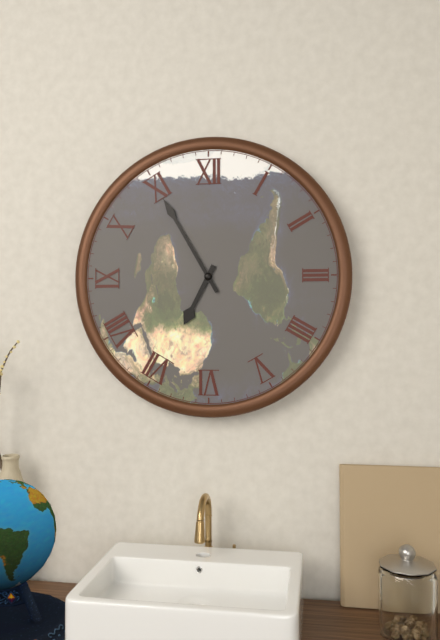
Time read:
6h55
